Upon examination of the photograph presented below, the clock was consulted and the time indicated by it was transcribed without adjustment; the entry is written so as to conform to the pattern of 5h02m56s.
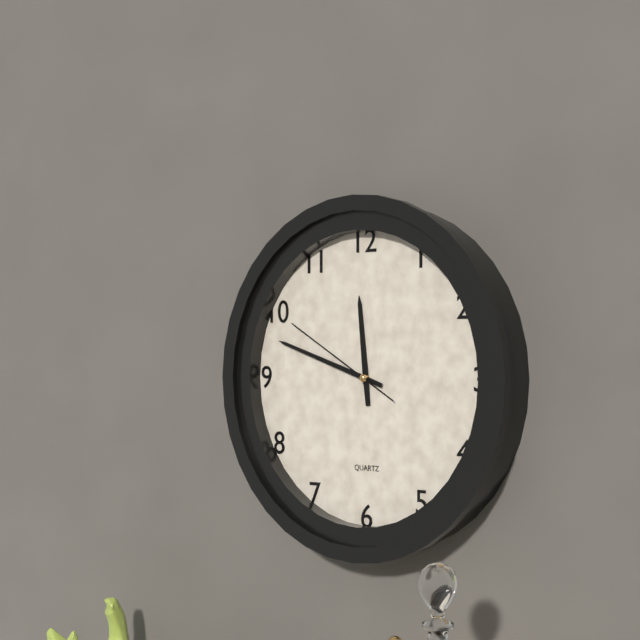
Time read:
11h48m50s
